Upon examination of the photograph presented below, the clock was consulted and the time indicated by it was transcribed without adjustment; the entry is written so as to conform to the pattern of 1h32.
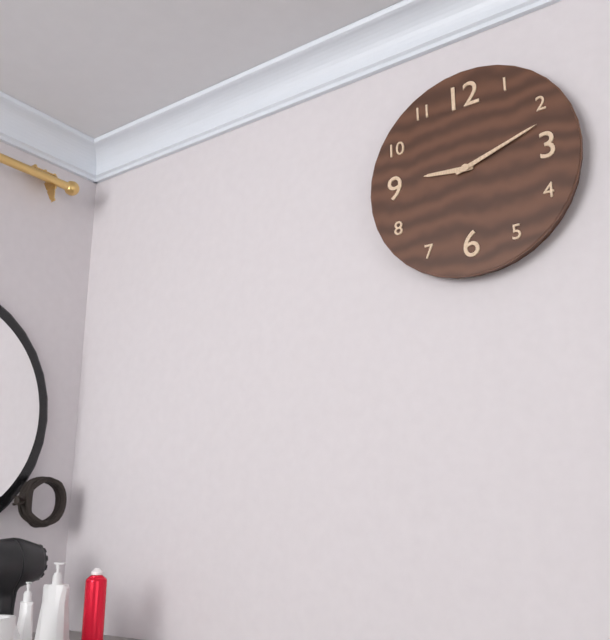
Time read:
9h12
